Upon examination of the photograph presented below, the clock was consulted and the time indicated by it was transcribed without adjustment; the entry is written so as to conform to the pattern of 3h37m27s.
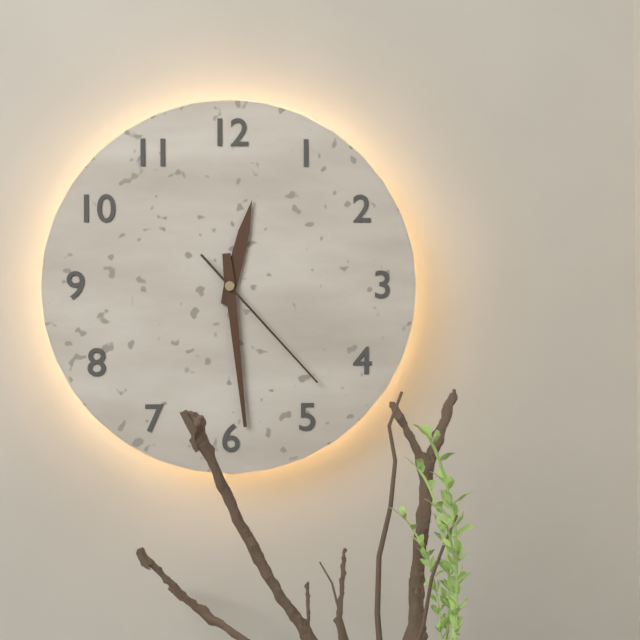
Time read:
12h29m23s
